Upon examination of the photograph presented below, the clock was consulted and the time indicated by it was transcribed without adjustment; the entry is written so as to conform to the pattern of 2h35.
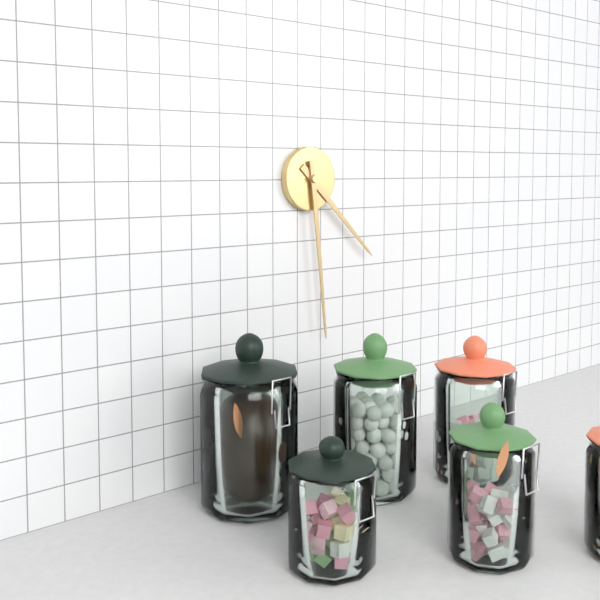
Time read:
4h29
